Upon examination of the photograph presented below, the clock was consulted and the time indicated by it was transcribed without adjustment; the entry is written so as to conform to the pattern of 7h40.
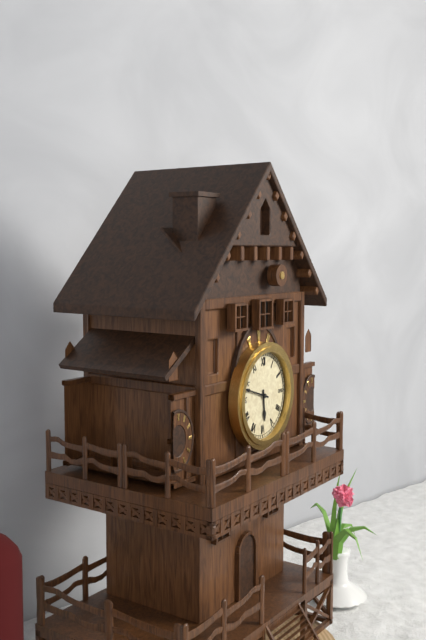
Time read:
5h48
